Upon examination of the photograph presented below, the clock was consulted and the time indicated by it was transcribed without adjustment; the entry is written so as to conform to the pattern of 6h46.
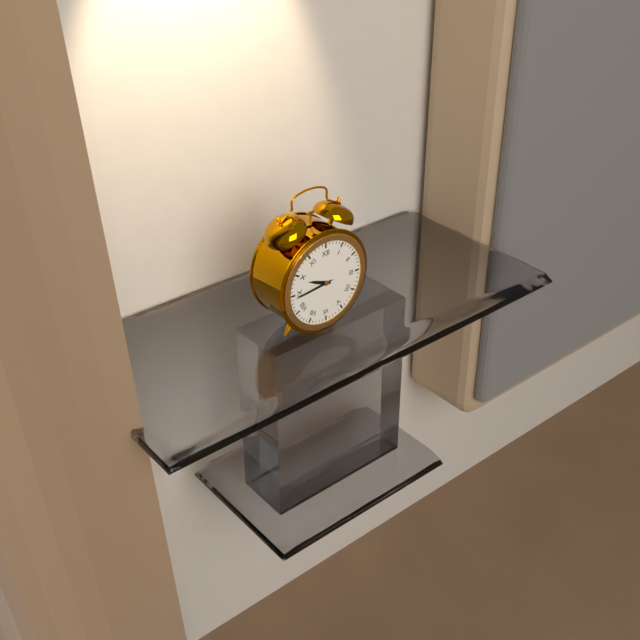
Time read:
9h44
